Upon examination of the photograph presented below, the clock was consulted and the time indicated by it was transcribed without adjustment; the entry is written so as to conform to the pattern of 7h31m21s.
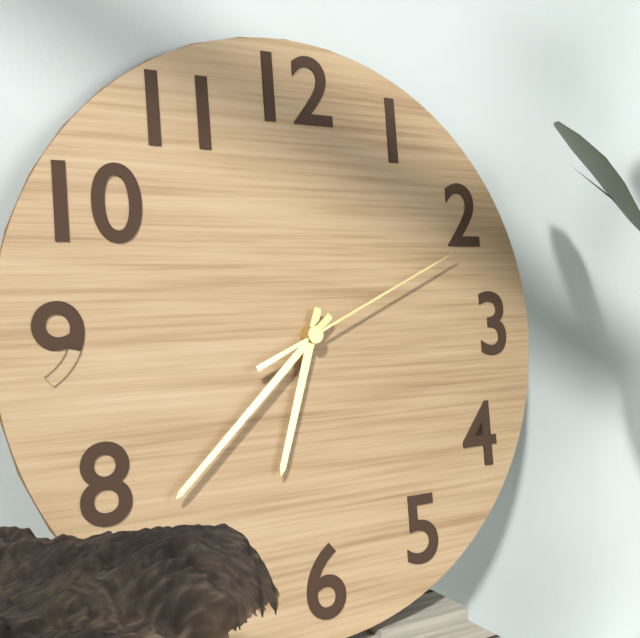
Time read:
6h38m11s
